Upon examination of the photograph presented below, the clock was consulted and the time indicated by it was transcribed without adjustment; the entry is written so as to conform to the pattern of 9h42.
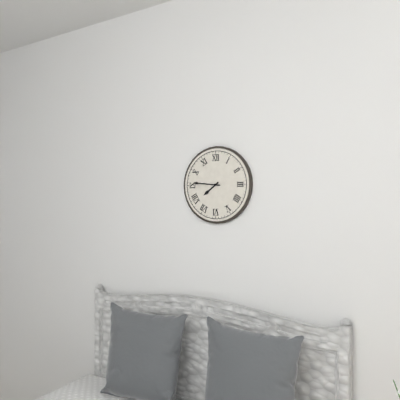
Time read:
7h46
